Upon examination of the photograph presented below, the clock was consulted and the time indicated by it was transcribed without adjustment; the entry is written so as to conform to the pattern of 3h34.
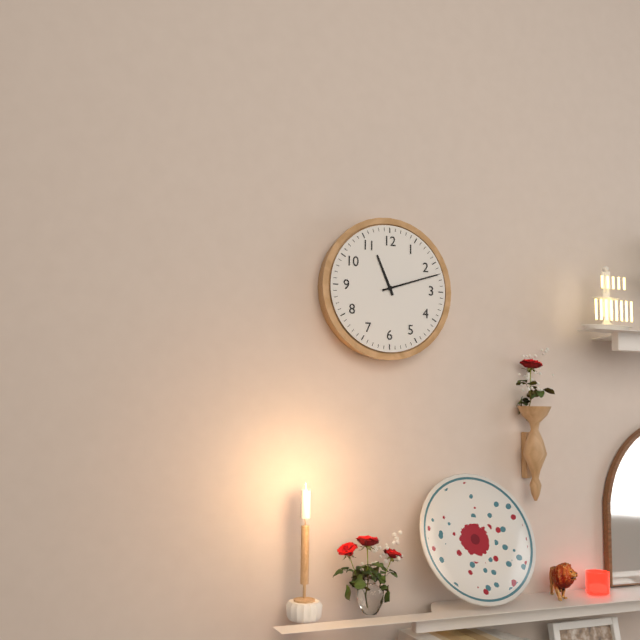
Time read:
11h12
